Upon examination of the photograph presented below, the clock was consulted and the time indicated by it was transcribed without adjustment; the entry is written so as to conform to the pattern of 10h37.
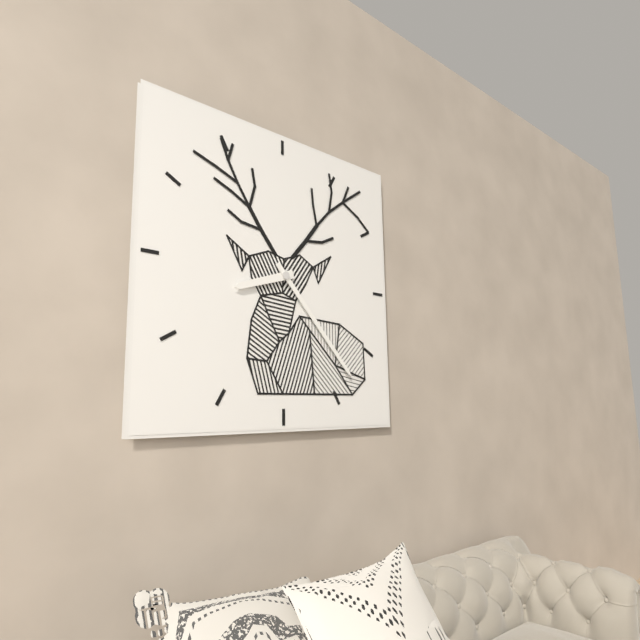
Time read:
8h23
